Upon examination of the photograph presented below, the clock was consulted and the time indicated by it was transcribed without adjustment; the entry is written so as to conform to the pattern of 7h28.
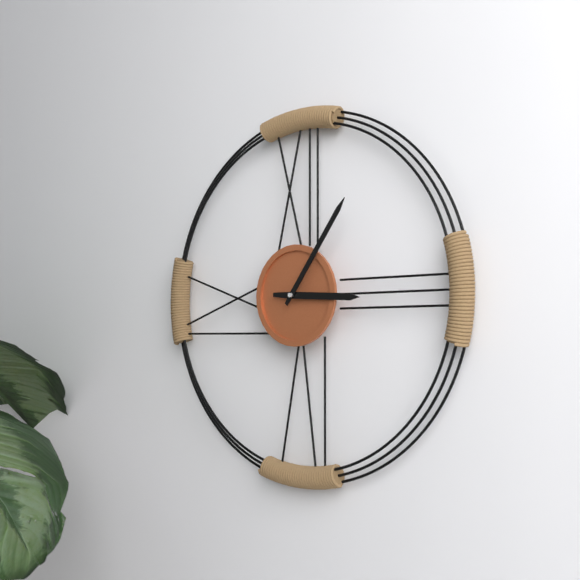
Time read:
3h06
